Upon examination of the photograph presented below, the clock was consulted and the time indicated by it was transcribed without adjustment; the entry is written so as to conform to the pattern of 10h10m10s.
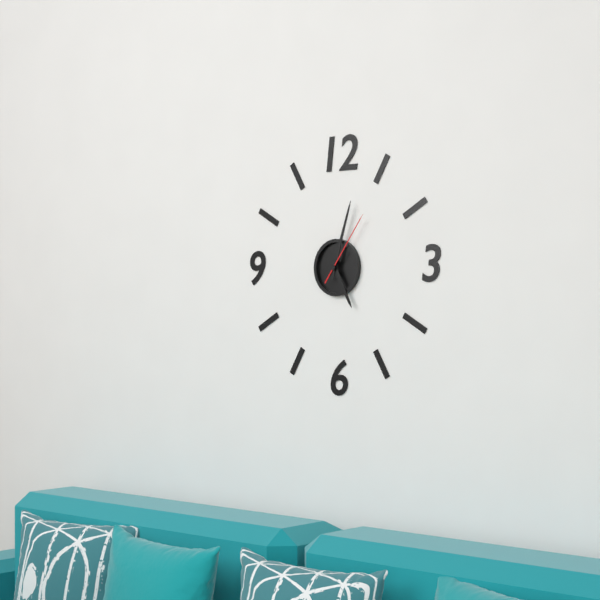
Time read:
5h03m06s
